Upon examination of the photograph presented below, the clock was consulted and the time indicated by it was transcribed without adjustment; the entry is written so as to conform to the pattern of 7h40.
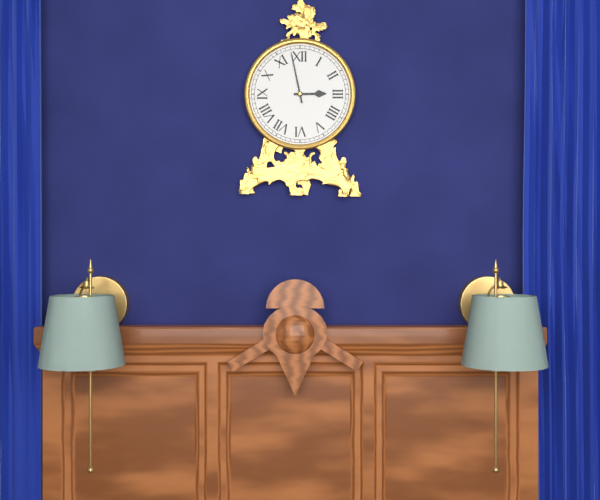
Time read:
2h58
